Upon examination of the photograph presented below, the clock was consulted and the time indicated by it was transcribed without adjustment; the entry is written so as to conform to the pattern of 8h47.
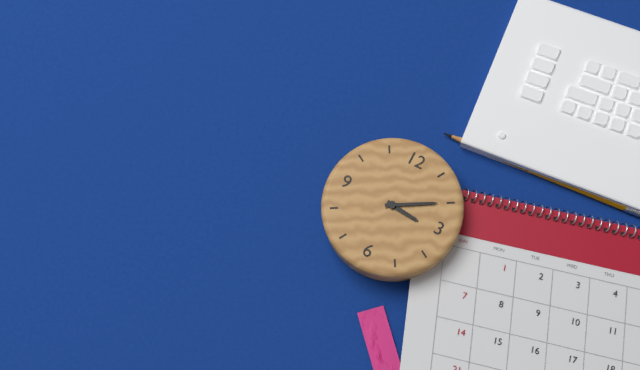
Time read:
3h10
